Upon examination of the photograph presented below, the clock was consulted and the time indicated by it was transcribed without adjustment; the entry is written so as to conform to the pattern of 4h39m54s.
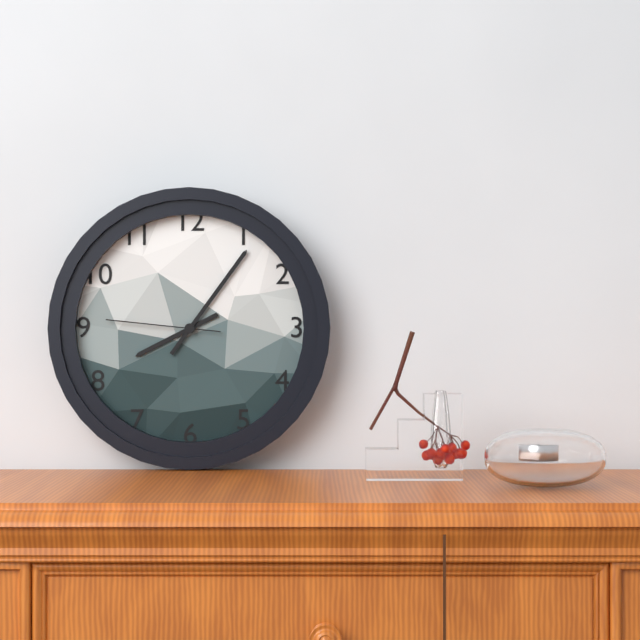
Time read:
8h06m46s
